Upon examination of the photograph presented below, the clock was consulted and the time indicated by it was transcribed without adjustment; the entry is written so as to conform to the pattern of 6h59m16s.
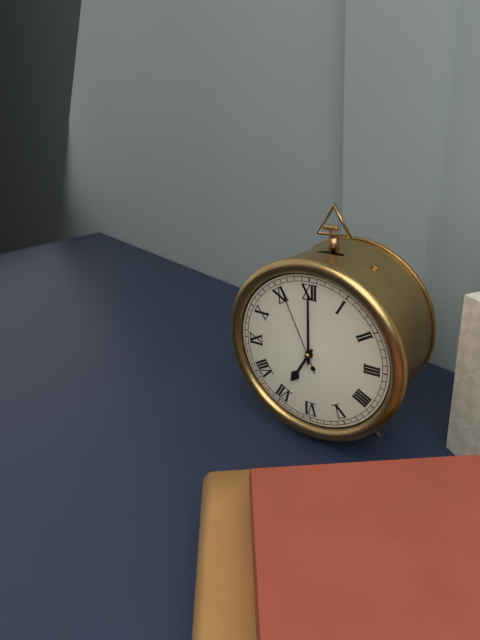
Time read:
7h00m56s
